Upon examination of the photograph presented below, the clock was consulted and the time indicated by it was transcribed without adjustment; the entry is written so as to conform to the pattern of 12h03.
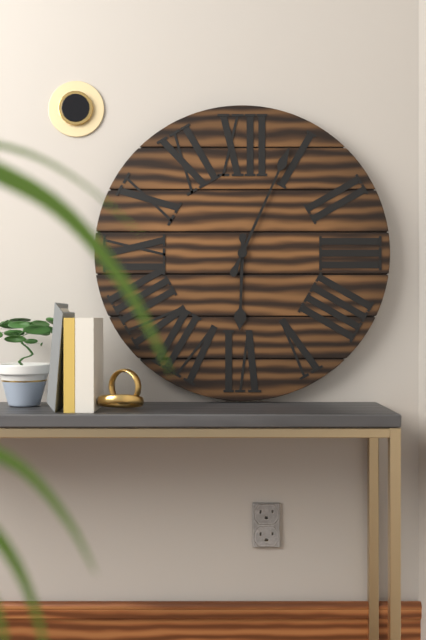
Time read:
6h04
